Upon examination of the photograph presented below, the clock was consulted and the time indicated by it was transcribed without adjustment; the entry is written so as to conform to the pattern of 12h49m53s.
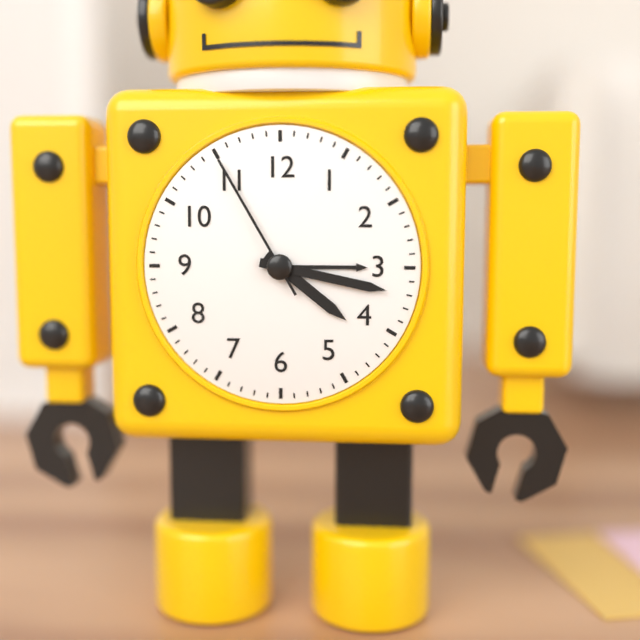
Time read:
4h17m55s
